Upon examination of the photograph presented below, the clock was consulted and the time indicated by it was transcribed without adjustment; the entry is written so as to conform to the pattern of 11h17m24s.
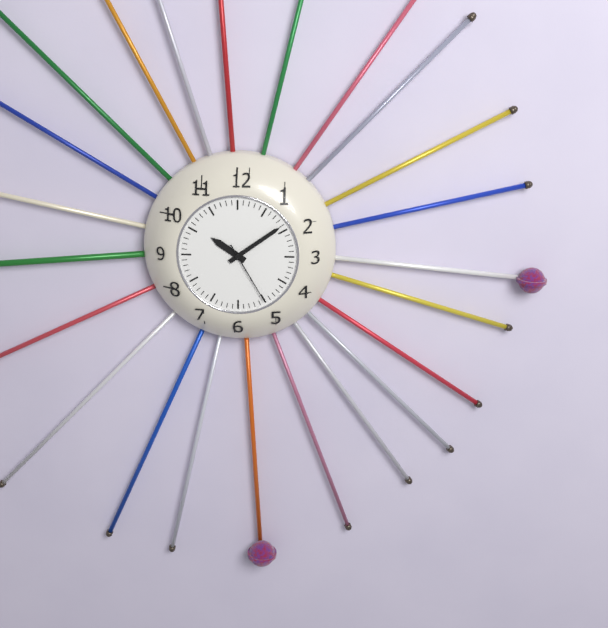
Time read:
10h09m25s
